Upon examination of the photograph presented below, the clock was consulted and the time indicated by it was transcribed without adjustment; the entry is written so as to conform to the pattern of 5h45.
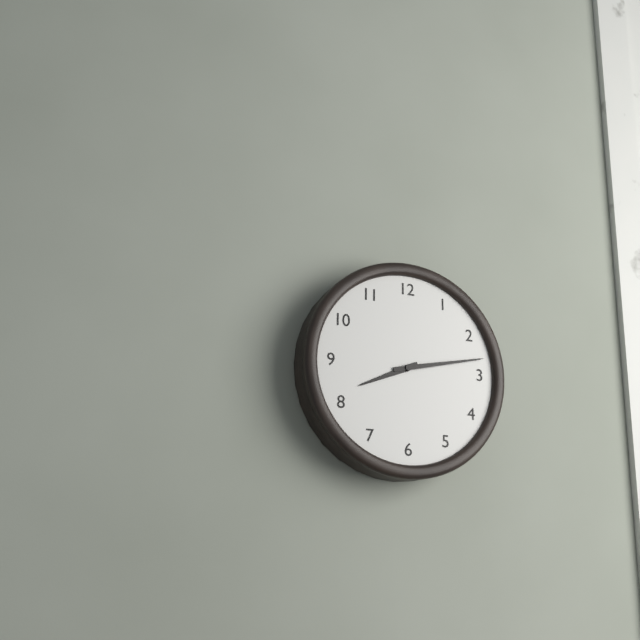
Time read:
8h13
